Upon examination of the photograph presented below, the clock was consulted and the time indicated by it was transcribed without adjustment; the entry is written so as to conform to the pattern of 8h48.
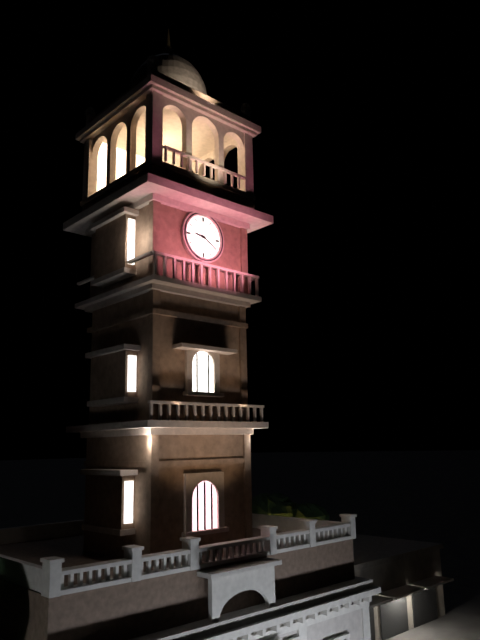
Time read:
9h20
